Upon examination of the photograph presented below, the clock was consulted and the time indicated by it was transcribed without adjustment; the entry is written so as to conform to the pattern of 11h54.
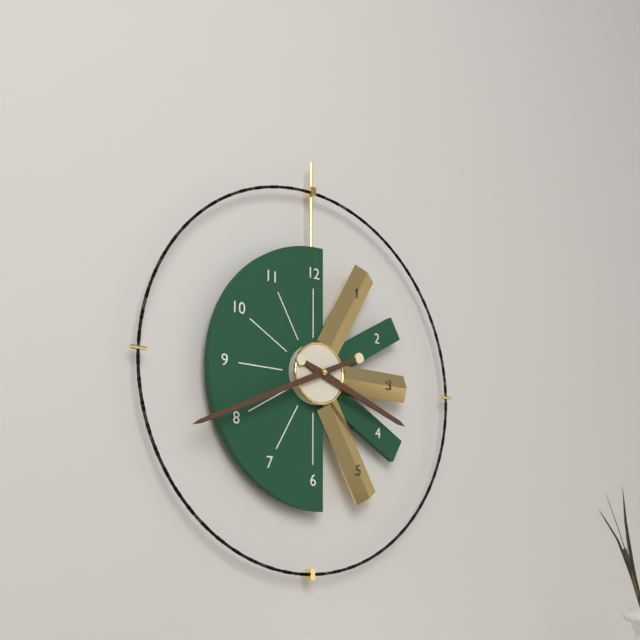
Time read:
3h41
